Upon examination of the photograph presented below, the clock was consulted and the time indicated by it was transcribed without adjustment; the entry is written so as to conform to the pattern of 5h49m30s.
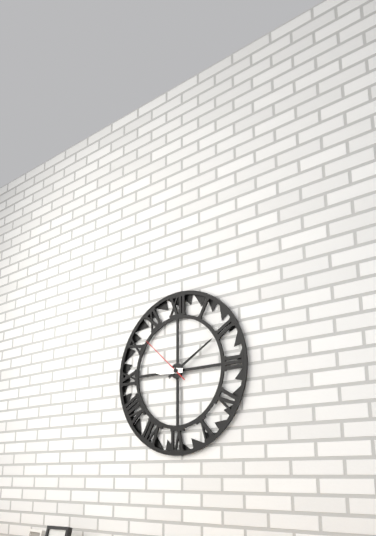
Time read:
9h10m52s
